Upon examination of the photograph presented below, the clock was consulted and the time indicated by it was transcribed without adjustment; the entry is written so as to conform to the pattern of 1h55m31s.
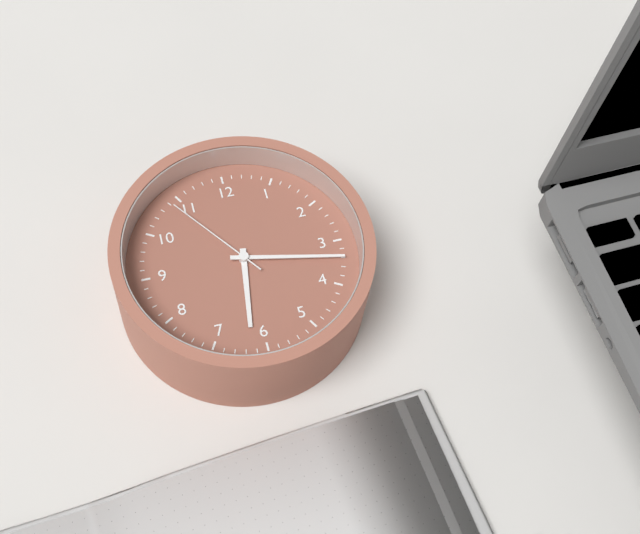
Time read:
6h17m54s
